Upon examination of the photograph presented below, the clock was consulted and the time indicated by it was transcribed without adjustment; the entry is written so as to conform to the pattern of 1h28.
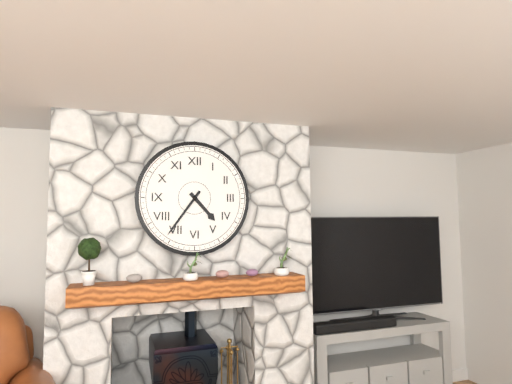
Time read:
4h36
